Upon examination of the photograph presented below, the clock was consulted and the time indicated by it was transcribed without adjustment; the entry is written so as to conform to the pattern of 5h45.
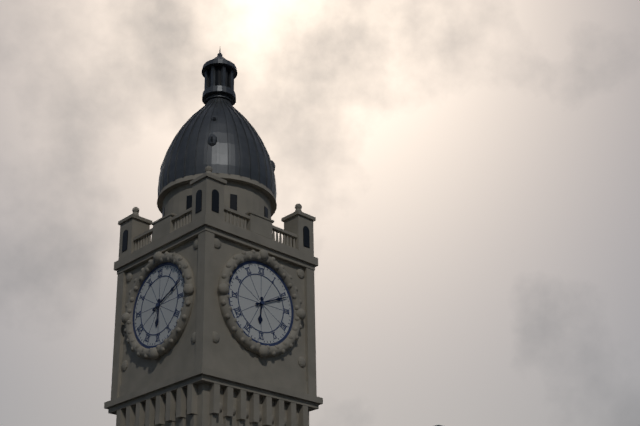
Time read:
6h11
